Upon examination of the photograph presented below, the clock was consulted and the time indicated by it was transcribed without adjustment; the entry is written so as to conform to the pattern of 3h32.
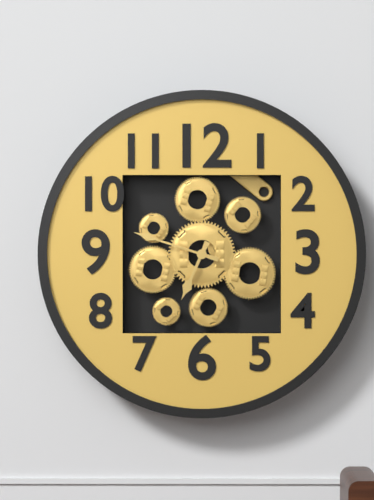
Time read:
6h48
